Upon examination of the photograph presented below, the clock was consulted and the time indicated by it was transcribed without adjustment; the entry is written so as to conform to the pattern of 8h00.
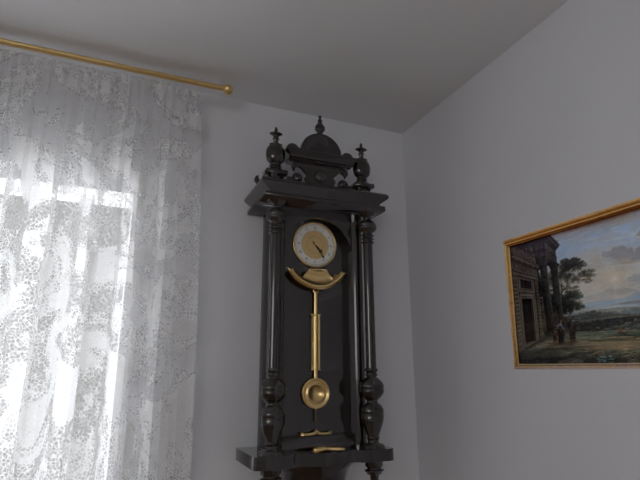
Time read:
4h24
